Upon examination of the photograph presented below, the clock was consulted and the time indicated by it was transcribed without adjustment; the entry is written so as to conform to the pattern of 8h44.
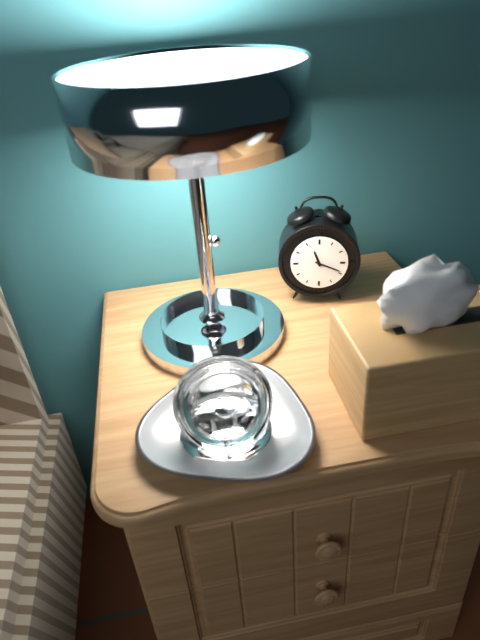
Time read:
11h19
